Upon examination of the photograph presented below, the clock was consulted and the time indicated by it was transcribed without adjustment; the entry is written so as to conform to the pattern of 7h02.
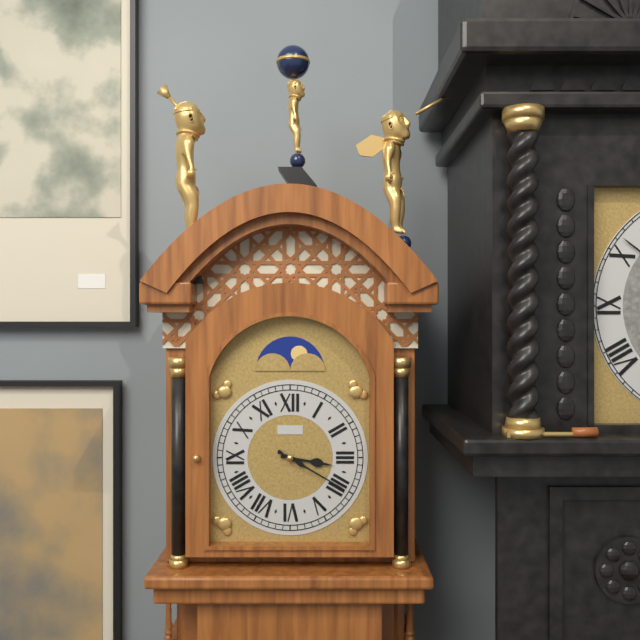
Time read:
3h20
